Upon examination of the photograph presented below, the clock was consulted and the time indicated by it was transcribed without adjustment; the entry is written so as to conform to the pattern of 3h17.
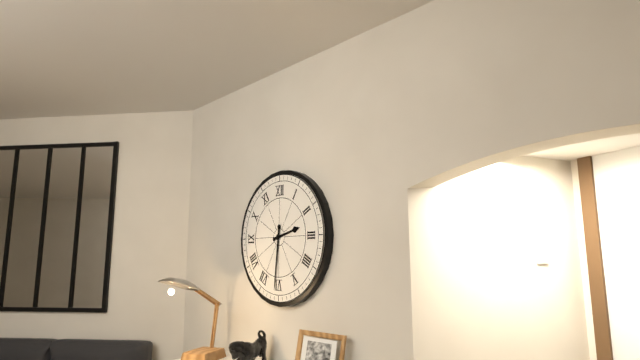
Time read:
2h31
